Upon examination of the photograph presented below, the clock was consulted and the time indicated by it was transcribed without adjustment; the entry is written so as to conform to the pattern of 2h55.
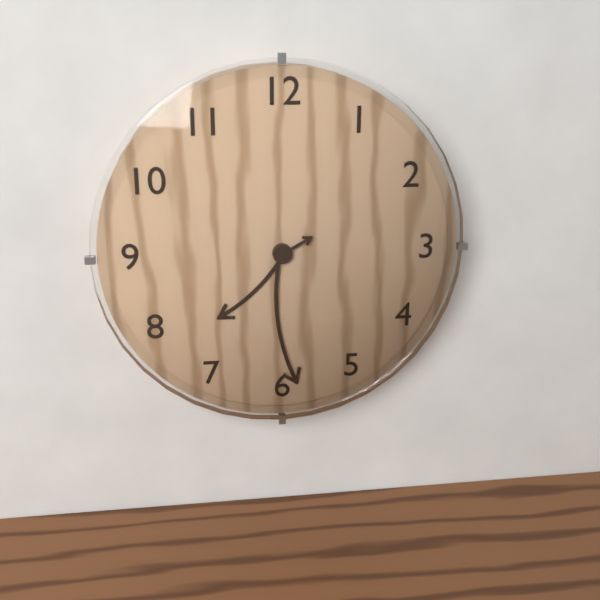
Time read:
7h29
